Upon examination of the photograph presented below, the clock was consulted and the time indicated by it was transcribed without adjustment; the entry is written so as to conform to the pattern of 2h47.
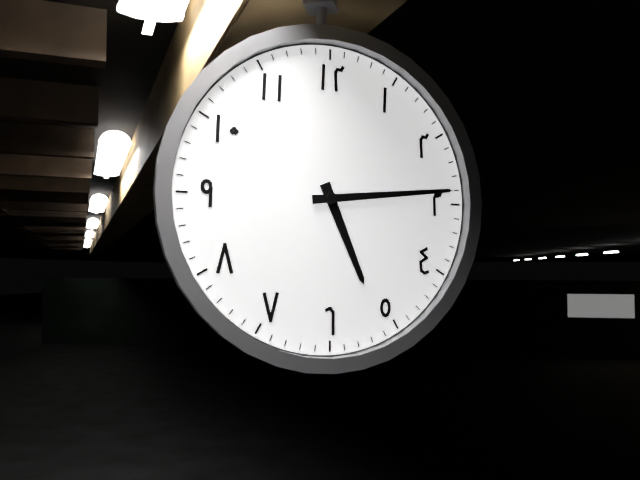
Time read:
5h14
